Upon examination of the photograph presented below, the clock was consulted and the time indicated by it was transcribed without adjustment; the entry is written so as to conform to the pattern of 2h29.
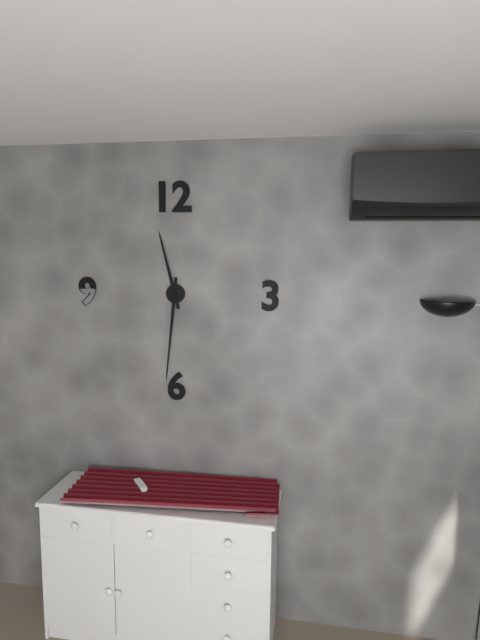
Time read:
11h31
